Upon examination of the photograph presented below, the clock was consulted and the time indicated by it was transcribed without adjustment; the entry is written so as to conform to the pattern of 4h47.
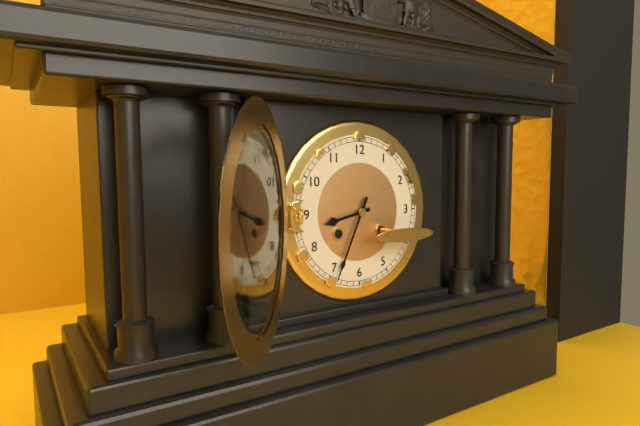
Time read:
8h34
